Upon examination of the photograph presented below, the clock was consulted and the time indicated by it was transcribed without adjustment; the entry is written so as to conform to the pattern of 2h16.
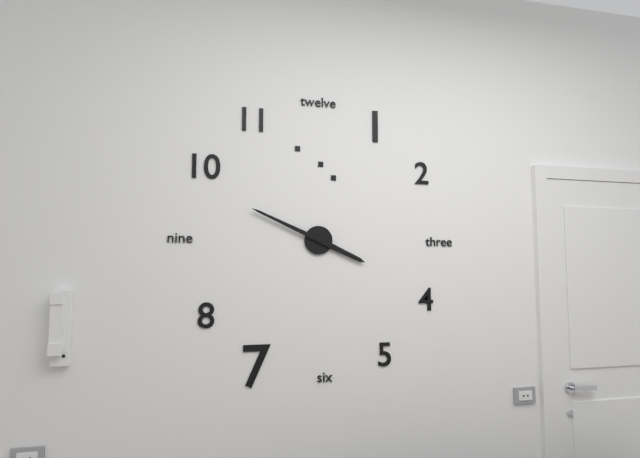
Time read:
3h49
